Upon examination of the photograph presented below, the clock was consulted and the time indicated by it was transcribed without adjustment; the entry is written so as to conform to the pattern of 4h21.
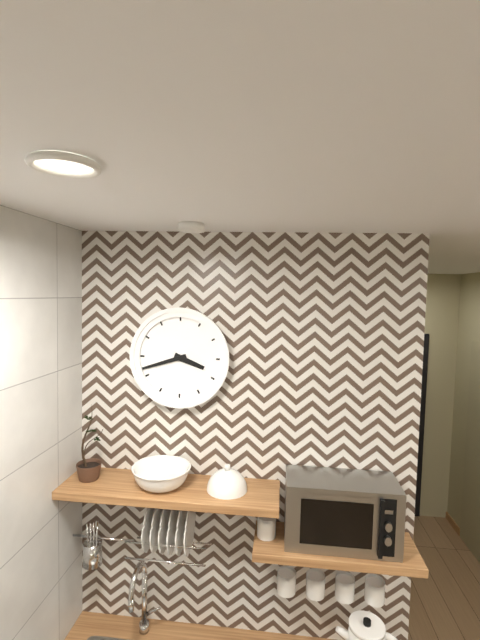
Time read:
3h42
